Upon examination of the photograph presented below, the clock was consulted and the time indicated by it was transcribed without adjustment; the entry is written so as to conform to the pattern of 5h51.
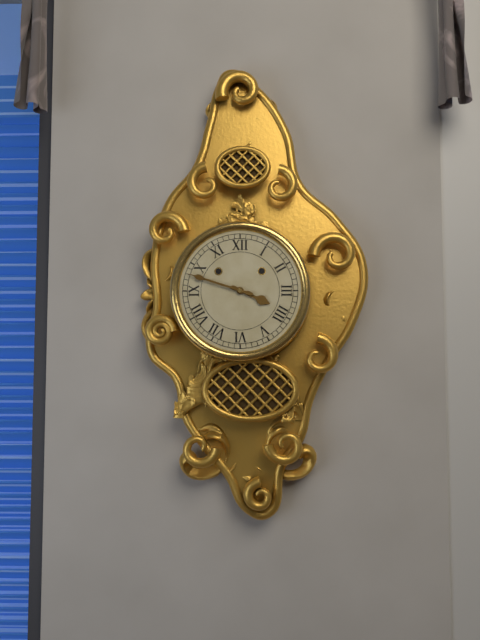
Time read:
3h48
